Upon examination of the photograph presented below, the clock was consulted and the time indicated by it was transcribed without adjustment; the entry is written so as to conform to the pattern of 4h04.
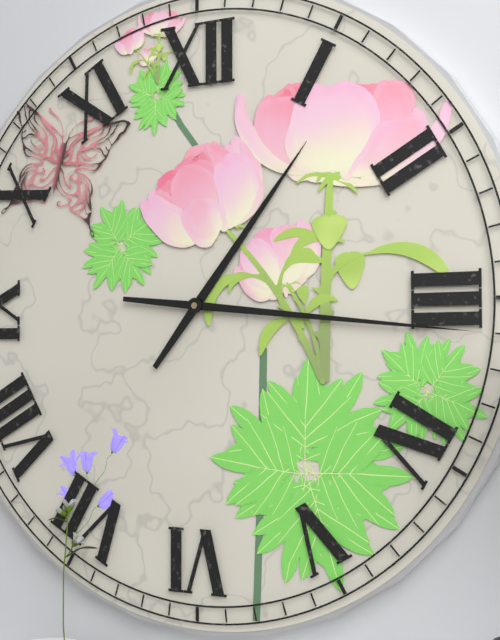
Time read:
1h16
